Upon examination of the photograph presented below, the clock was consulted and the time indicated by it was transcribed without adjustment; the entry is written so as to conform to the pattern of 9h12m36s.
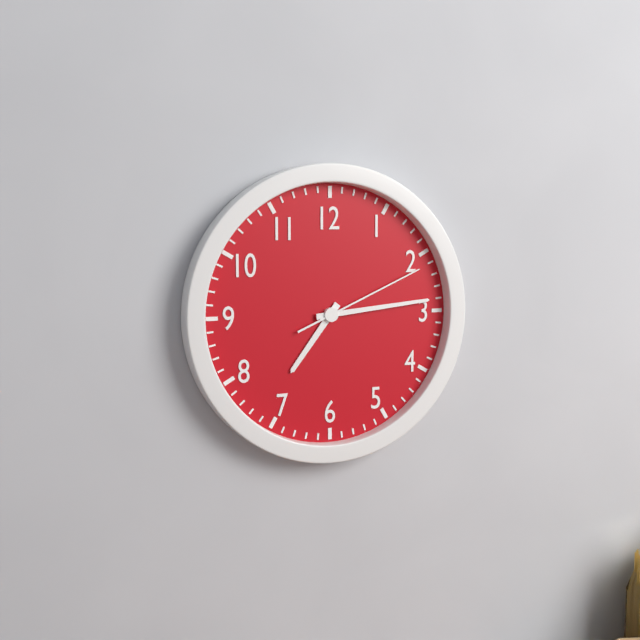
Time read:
7h14m11s
